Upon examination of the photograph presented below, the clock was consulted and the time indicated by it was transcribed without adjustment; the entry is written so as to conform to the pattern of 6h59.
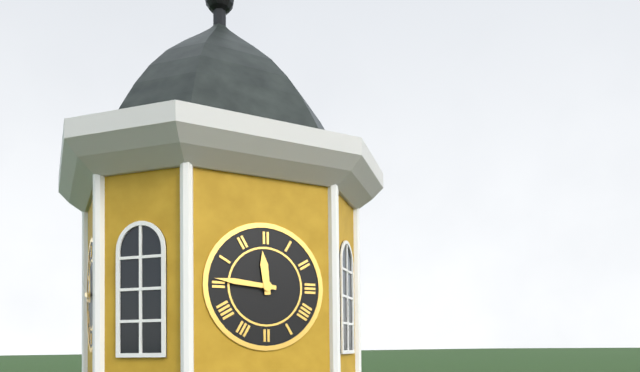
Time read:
11h46
